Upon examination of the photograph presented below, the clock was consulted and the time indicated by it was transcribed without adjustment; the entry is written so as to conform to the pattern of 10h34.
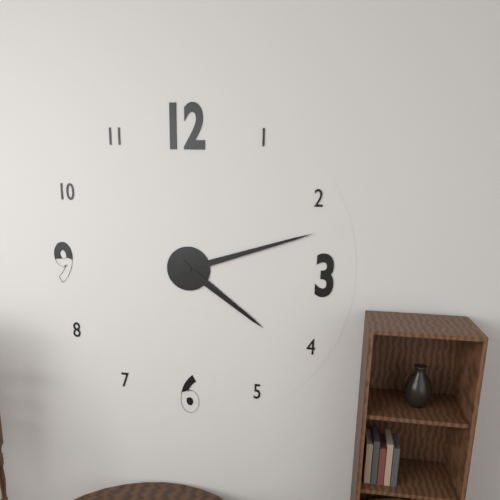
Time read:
4h12
